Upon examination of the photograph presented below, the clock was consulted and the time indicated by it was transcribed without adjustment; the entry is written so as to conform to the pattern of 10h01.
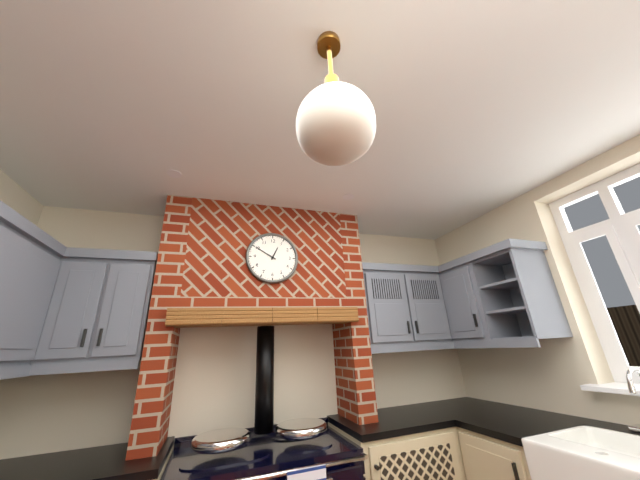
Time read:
12h50
